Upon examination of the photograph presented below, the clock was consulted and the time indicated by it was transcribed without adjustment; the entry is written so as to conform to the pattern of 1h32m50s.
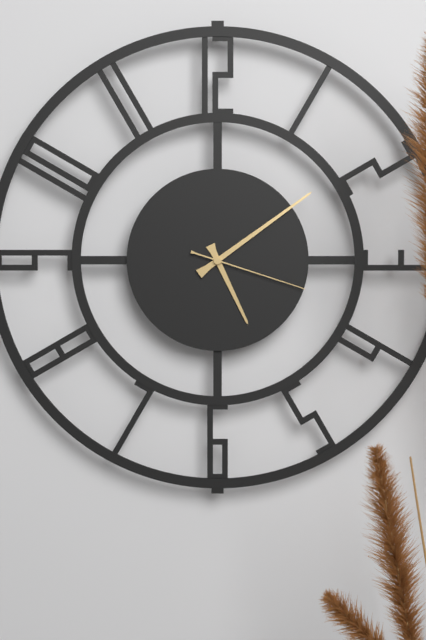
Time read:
5h09m18s
